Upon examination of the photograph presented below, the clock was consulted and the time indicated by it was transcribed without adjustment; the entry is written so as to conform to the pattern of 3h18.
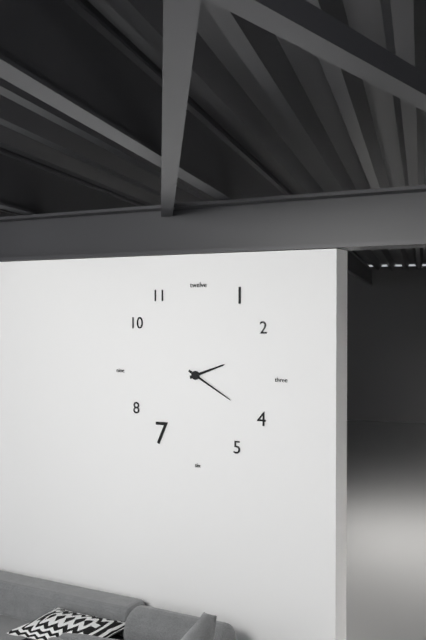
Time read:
2h20
